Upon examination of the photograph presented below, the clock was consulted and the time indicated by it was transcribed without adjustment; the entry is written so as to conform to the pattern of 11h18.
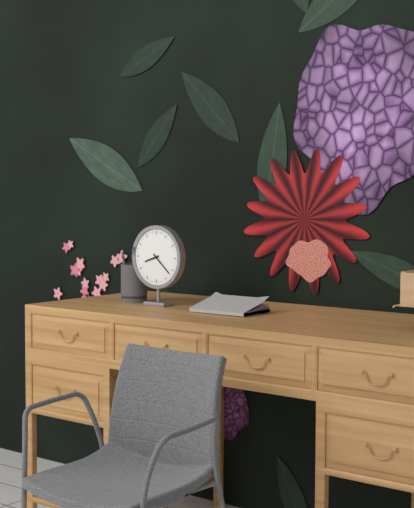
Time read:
8h22
